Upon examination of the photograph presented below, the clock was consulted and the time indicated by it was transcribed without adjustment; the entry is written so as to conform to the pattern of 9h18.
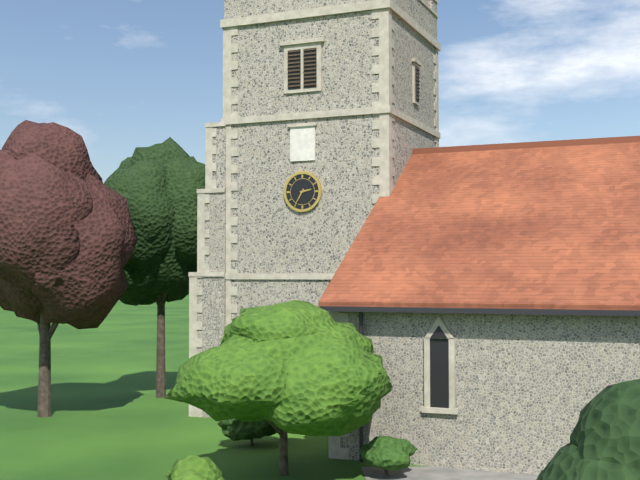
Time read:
2h35
